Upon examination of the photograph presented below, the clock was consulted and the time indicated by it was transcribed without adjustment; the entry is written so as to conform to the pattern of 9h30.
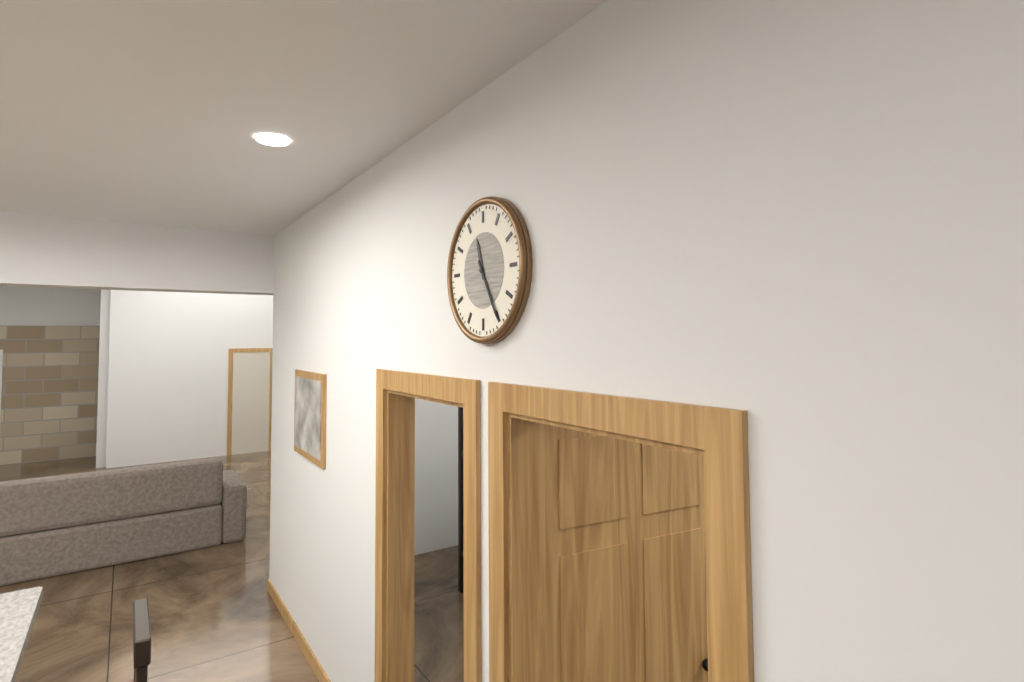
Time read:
11h25
